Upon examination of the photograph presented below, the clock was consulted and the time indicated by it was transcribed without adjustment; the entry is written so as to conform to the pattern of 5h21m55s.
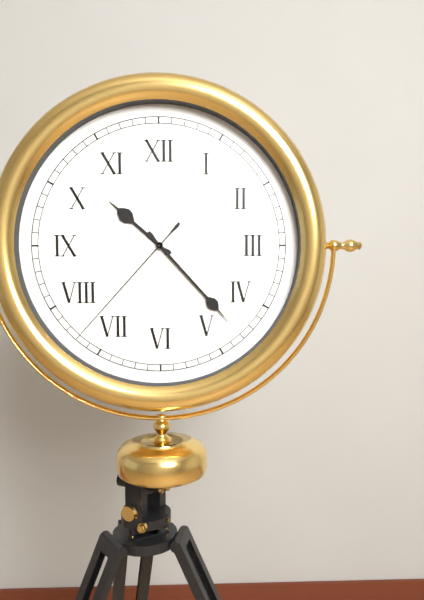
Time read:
10h23m37s
